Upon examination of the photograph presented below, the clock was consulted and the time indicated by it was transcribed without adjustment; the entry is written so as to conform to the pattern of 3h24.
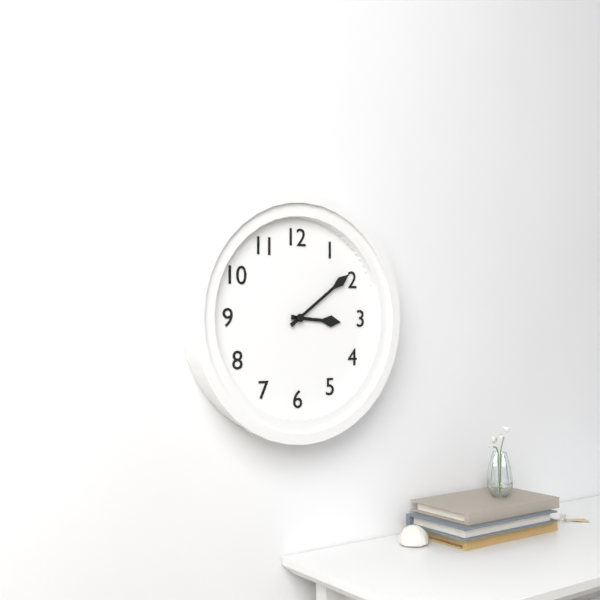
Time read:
3h09
